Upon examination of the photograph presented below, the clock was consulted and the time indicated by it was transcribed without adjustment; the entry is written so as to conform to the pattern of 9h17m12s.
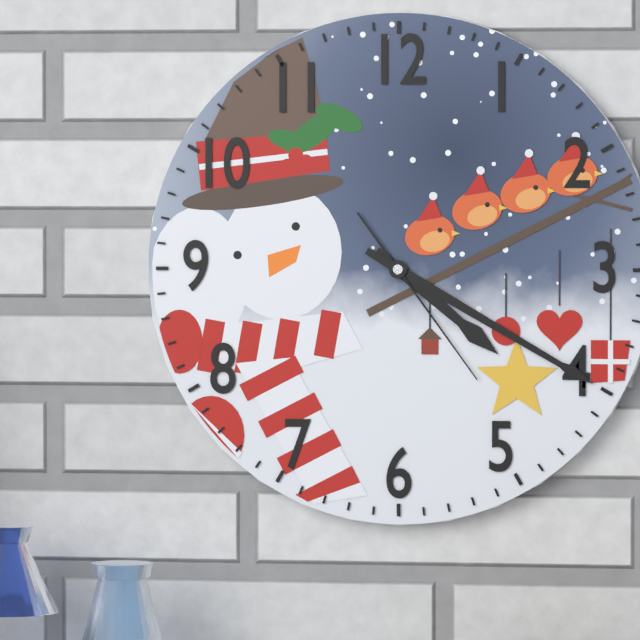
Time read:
4h20m24s
